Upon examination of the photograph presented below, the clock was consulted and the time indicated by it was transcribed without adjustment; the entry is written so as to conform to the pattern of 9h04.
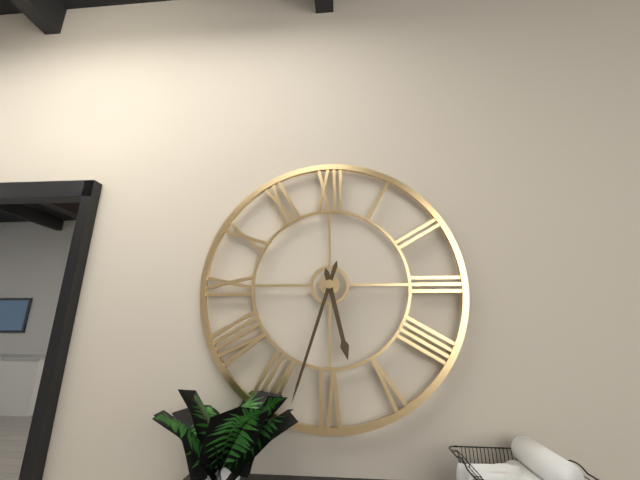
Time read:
5h33
